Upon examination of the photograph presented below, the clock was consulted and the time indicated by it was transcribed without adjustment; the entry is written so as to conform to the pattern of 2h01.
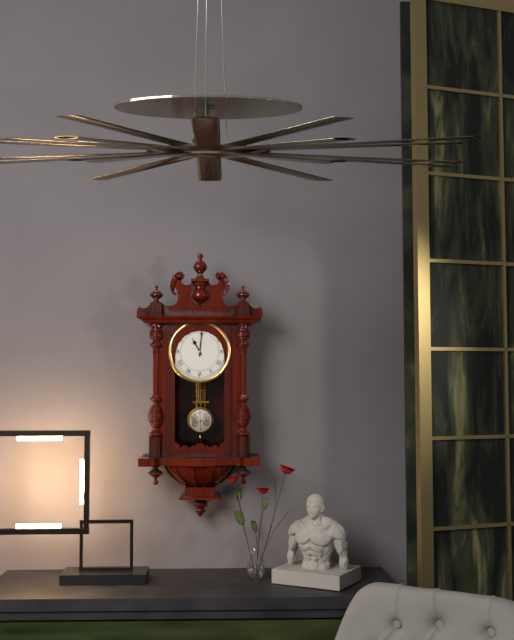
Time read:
11h01
